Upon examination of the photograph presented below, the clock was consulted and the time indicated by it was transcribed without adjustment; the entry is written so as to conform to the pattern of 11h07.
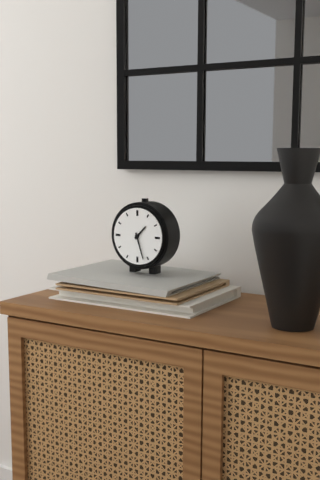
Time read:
1h27
